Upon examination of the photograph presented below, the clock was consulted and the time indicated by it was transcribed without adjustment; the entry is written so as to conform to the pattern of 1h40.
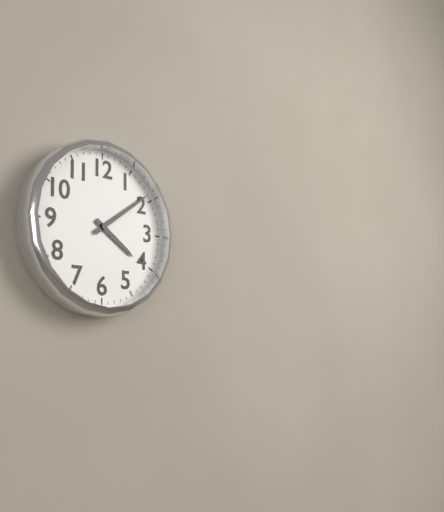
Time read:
4h09
